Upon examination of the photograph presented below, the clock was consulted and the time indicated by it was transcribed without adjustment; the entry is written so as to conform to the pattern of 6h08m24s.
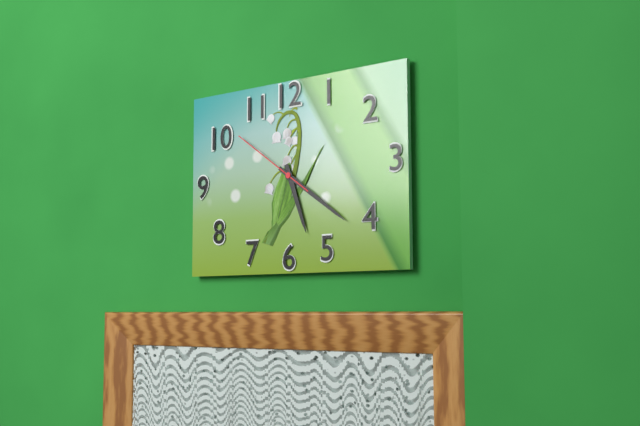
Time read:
5h21m51s
